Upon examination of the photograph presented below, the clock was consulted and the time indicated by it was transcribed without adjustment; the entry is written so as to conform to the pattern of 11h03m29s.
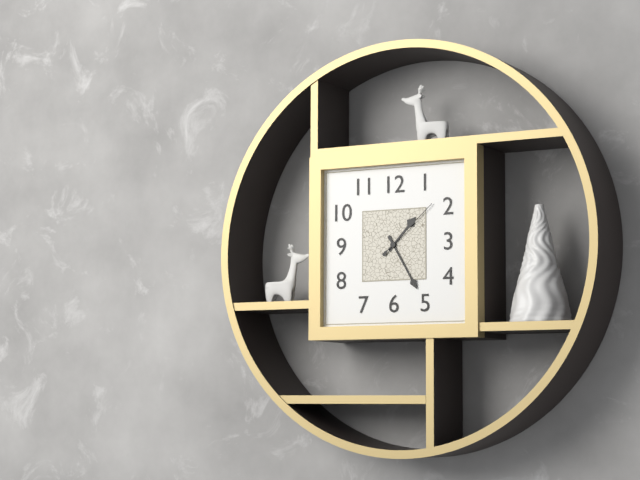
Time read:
1h25m08s
